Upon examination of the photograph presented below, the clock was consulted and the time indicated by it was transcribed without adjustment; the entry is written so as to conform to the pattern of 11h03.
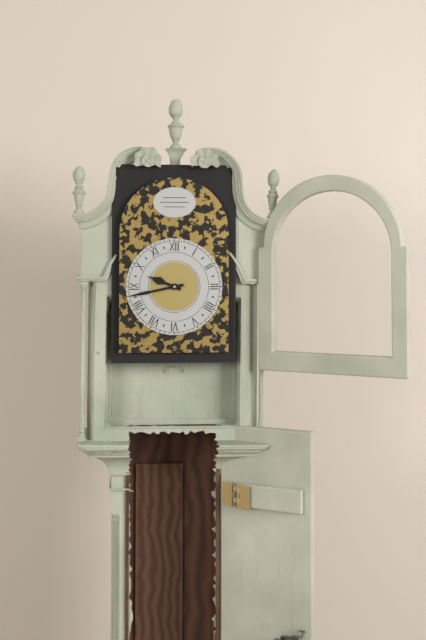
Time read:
9h43
